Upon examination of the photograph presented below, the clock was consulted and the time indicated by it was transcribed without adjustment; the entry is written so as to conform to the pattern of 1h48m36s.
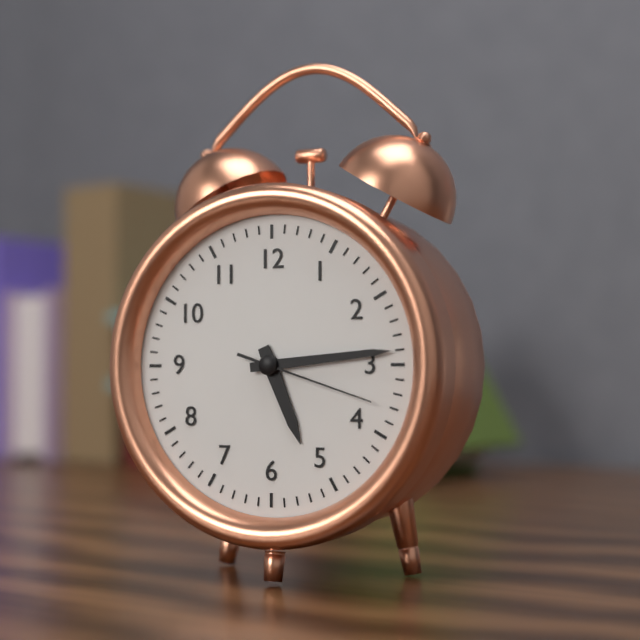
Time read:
5h14m18s
